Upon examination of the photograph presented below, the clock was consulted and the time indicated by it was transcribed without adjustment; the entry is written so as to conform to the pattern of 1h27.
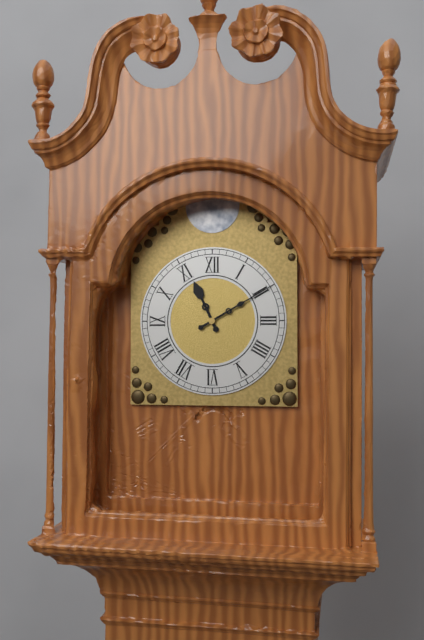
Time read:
11h10
